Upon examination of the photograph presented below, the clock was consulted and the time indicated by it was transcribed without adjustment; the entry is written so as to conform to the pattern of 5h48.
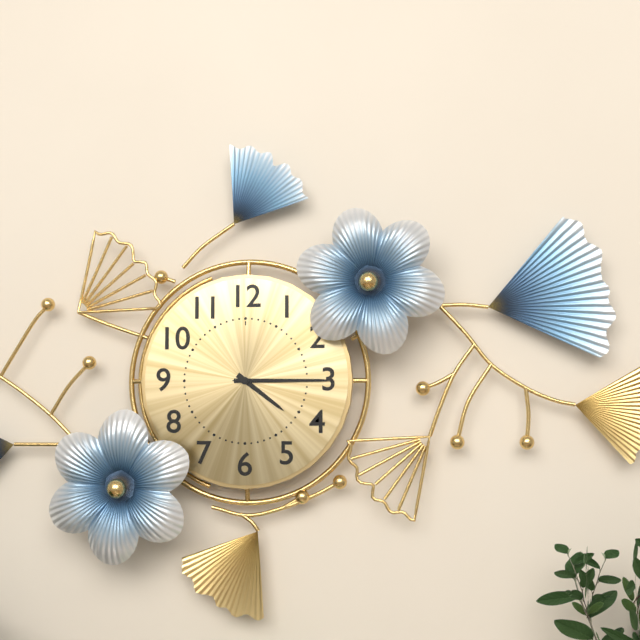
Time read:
4h15
